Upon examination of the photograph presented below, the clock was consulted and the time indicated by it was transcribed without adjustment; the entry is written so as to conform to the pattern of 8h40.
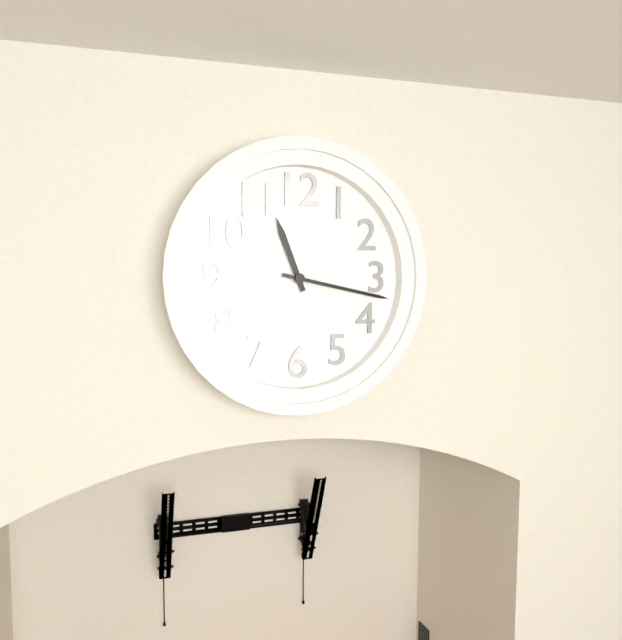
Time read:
11h17
